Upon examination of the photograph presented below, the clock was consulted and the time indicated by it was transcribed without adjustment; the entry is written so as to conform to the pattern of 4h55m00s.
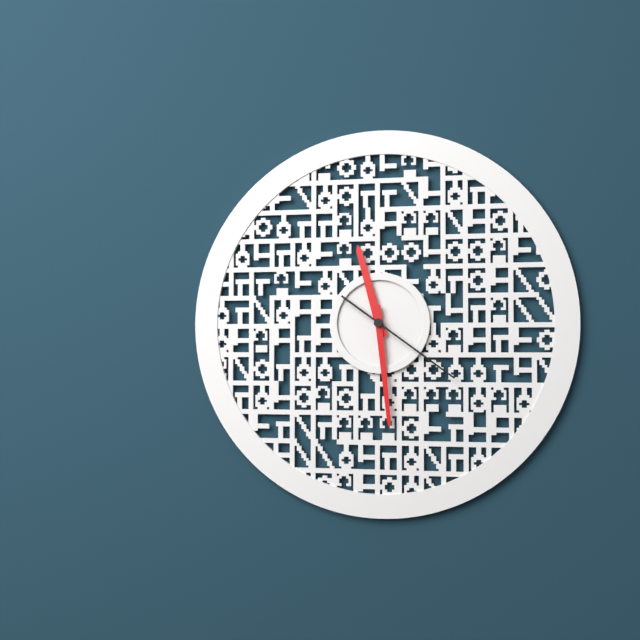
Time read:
11h29m21s
